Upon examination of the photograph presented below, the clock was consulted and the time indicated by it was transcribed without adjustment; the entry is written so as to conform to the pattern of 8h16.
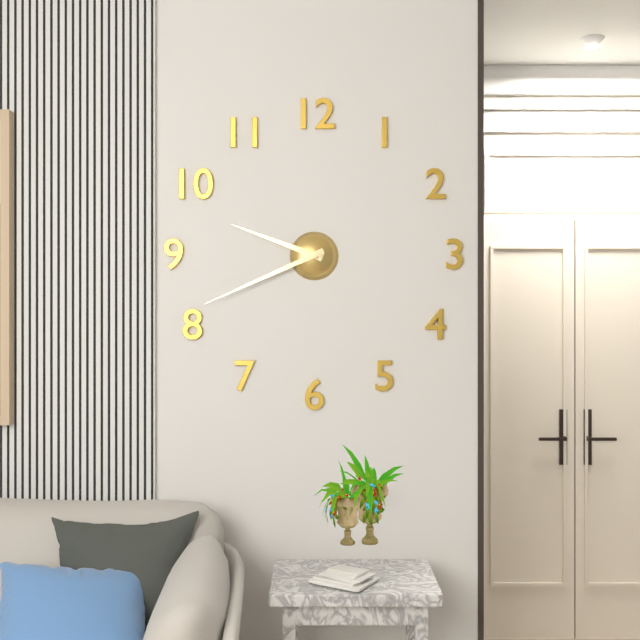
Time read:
9h41
